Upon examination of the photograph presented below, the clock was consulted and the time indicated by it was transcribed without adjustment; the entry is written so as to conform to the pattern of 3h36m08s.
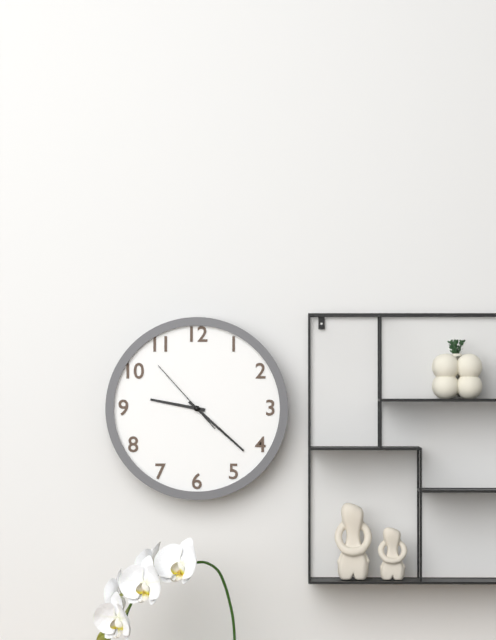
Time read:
9h22m53s
